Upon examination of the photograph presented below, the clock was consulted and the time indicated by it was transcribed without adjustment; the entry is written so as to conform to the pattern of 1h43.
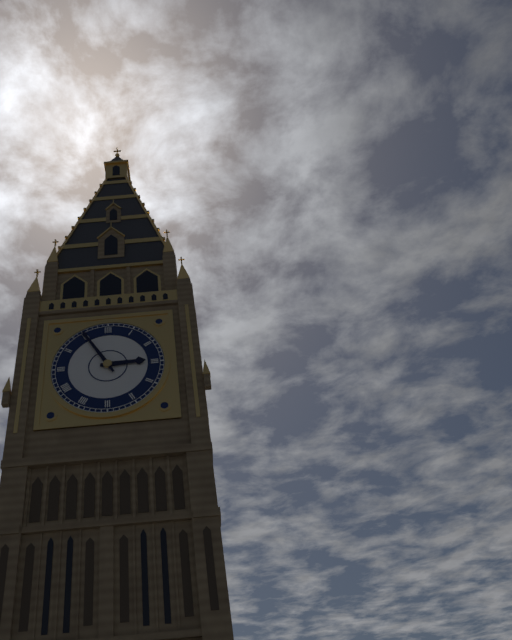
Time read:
2h55
